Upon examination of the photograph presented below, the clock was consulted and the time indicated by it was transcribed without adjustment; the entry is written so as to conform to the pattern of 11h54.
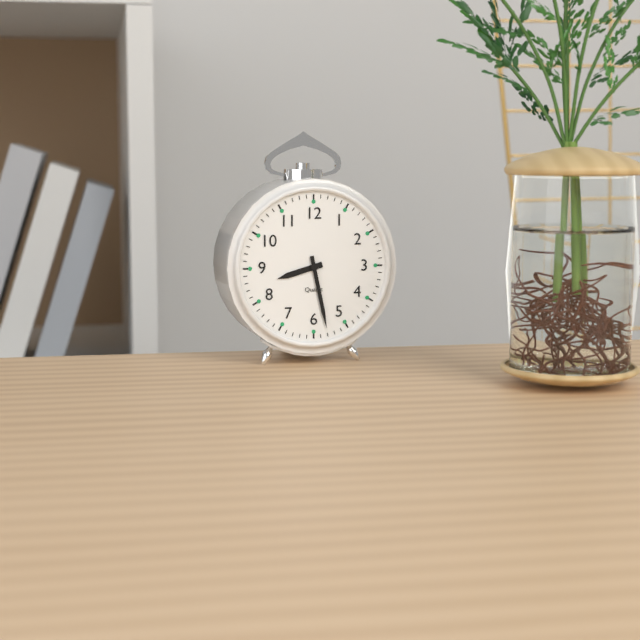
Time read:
8h28
